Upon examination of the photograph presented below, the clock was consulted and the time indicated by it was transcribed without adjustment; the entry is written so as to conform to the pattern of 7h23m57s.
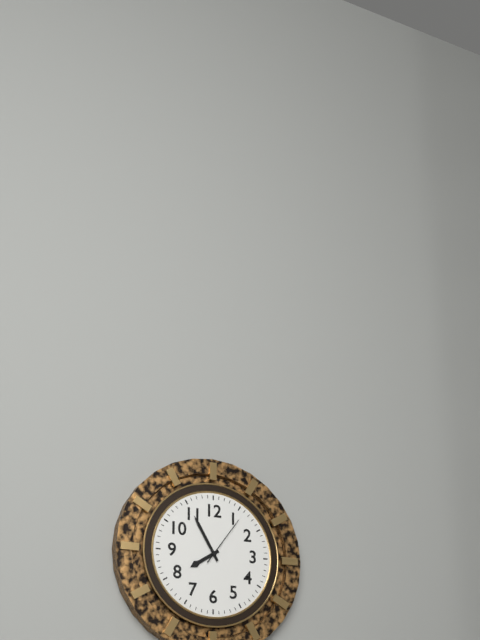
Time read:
7h55m06s
